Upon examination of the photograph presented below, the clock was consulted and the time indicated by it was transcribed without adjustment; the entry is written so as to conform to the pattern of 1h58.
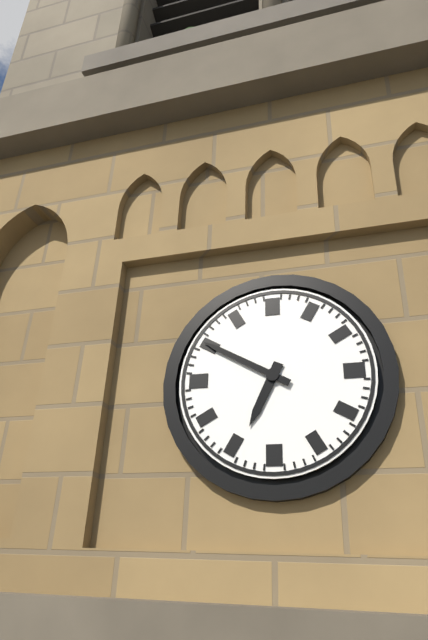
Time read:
6h50
